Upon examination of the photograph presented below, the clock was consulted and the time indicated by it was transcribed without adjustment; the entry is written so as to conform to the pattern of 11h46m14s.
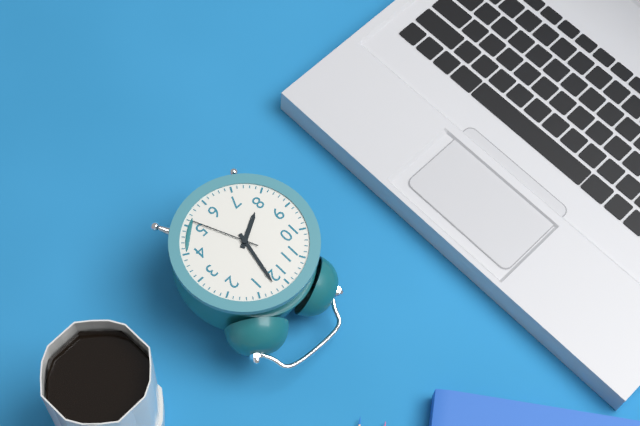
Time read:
8h02m26s
